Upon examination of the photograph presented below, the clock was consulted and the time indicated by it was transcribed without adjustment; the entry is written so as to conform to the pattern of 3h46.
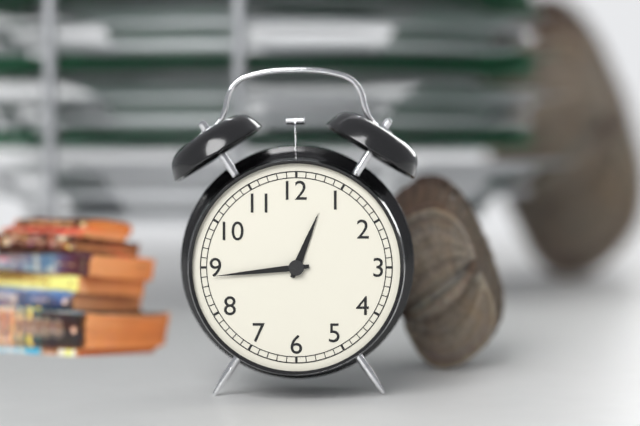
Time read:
12h44
